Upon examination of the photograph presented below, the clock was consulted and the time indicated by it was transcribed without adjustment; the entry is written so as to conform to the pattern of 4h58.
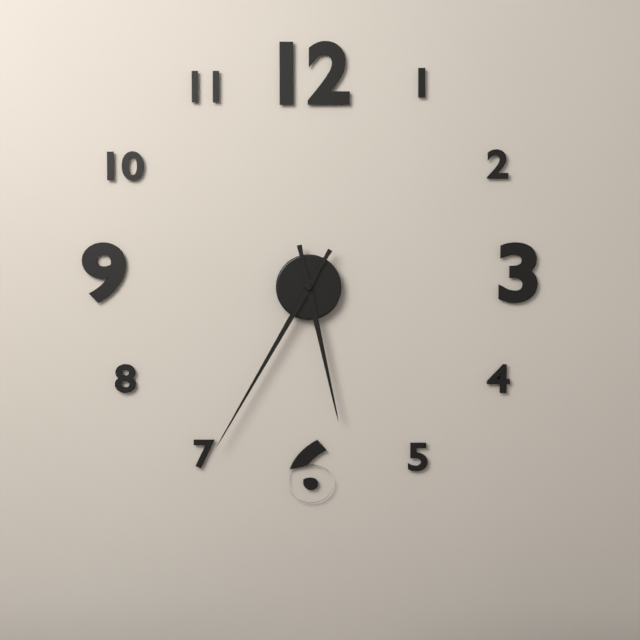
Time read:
5h35
